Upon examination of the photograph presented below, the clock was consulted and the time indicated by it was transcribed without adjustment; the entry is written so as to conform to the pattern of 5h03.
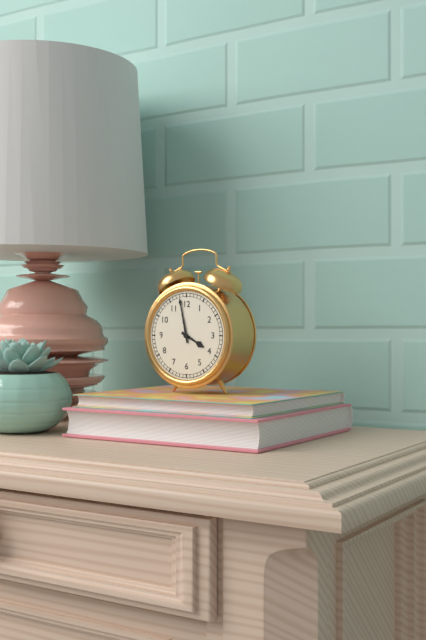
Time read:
3h58
